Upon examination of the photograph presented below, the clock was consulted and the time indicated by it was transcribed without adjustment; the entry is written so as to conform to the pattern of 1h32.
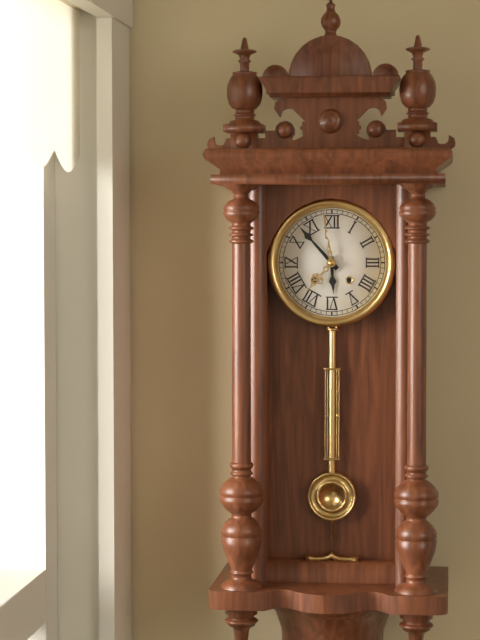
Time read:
5h53
